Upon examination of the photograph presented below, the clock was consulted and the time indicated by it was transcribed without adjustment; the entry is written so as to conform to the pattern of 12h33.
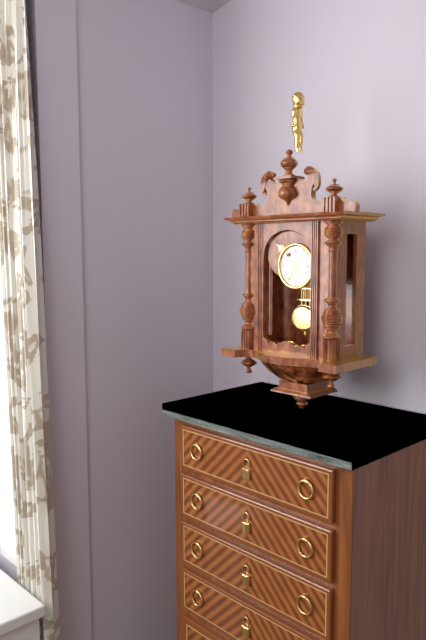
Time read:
10h36
